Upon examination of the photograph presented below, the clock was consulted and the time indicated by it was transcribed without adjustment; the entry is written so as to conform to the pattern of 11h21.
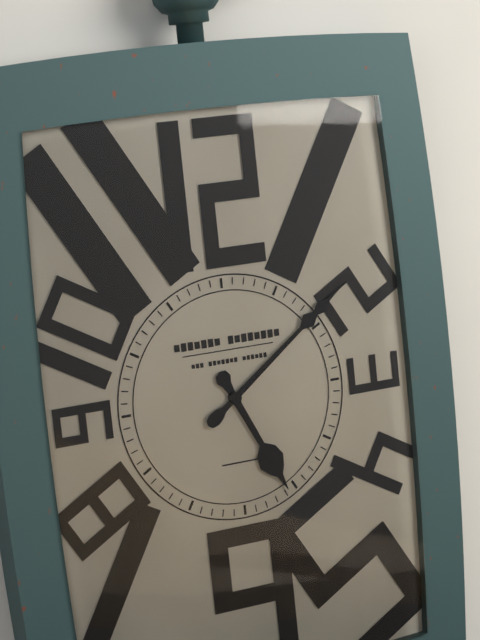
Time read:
5h09
